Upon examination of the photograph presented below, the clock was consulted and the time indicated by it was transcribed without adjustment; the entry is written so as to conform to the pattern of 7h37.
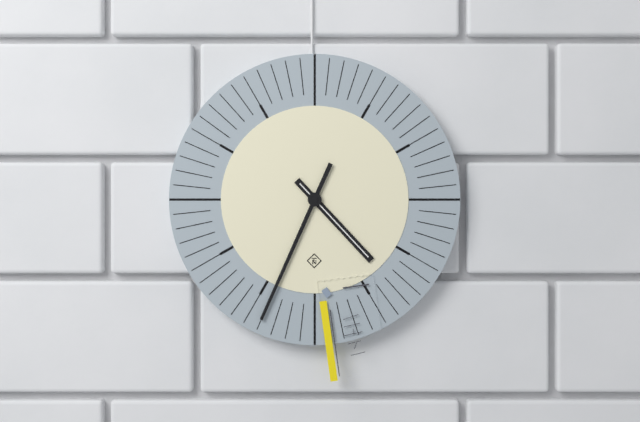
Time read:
4h34
